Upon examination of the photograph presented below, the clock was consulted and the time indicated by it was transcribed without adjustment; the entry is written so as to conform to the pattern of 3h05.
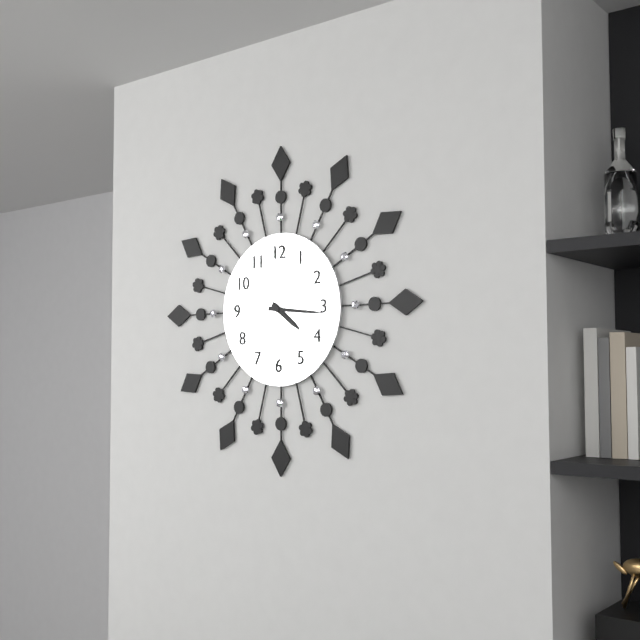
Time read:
4h16
